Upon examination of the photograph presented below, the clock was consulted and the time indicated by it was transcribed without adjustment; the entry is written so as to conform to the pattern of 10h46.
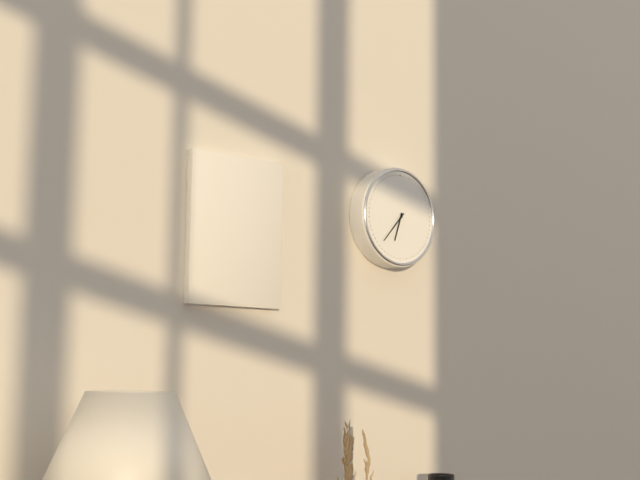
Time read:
6h37
